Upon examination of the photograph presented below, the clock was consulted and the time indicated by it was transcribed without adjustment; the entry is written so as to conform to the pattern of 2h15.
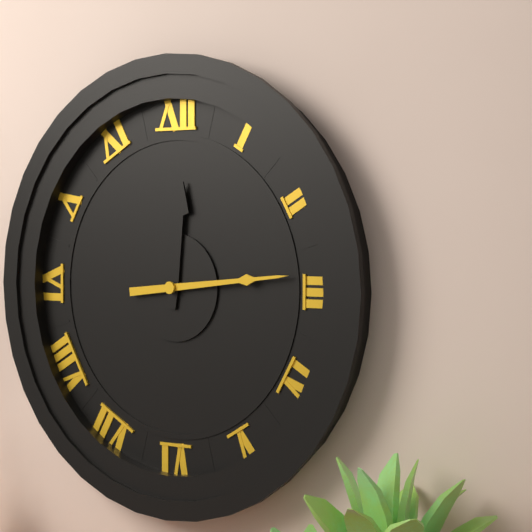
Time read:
12h14
